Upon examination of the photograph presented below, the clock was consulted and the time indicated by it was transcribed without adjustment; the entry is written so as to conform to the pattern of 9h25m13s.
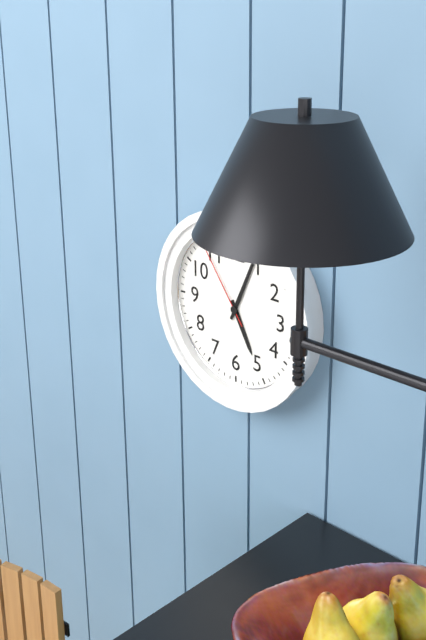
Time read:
5h04m54s
